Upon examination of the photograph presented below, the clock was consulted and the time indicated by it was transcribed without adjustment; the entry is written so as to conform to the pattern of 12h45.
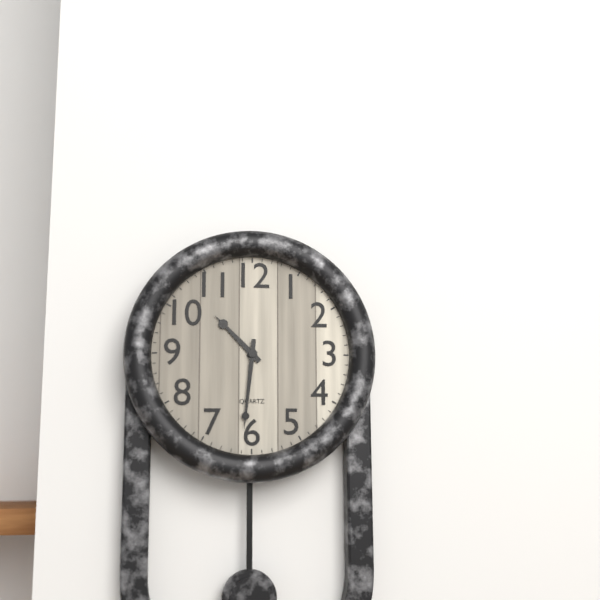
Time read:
10h31
